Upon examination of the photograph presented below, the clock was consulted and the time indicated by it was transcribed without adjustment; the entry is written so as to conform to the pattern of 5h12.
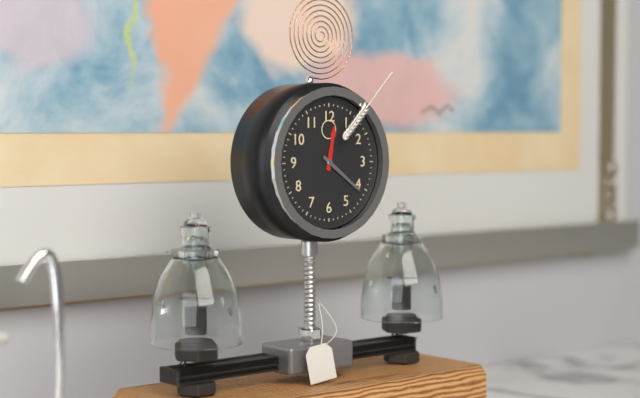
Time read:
12h21
